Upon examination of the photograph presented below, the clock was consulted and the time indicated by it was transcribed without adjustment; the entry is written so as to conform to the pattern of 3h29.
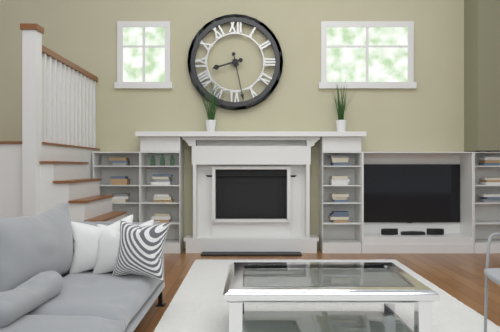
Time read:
8h28
